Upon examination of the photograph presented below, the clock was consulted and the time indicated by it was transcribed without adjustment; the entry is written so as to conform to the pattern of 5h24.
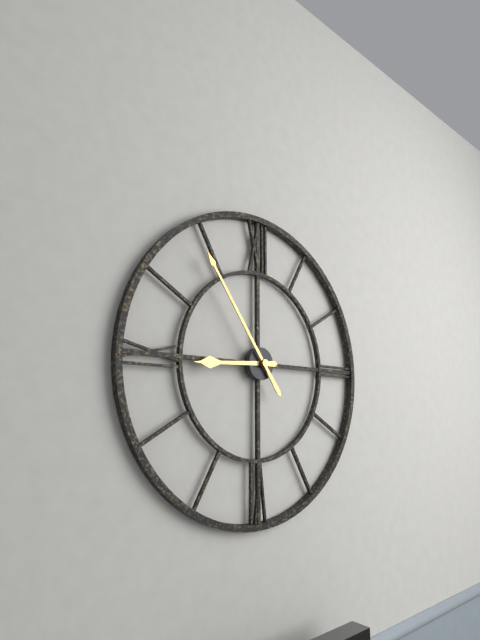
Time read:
8h54
